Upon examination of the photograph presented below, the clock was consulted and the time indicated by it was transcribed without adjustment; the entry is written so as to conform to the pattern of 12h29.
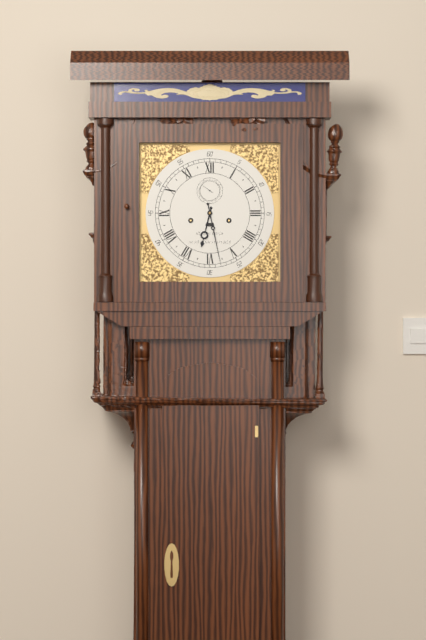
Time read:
6h28
